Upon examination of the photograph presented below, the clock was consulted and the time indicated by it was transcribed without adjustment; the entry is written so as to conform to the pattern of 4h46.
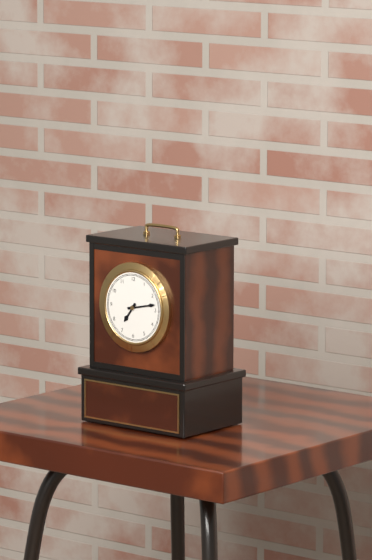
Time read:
7h13
